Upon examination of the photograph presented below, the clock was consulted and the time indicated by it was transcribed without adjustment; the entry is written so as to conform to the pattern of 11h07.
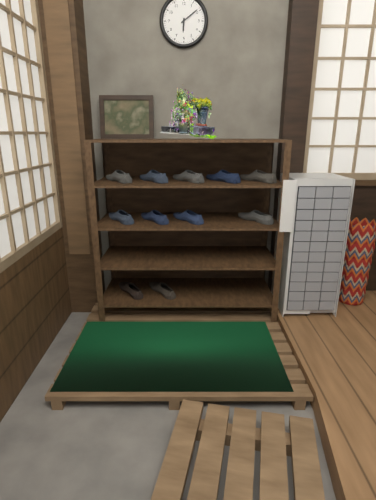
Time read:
6h09
